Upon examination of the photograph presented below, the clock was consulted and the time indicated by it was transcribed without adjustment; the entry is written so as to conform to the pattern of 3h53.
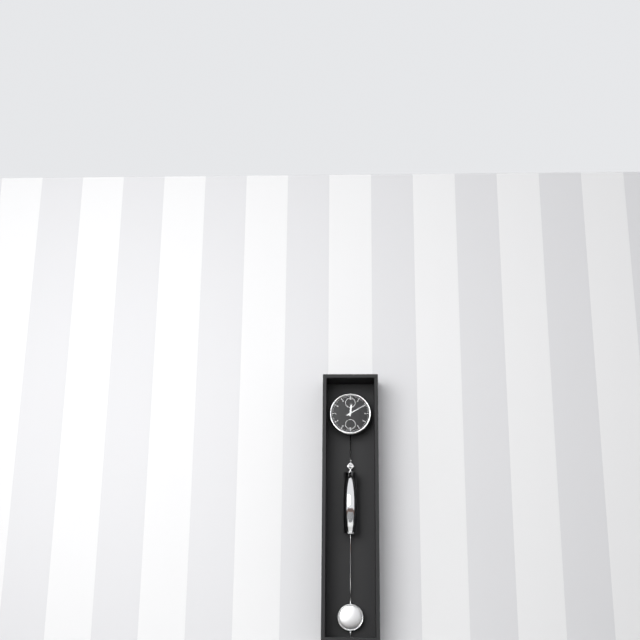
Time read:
12h10
